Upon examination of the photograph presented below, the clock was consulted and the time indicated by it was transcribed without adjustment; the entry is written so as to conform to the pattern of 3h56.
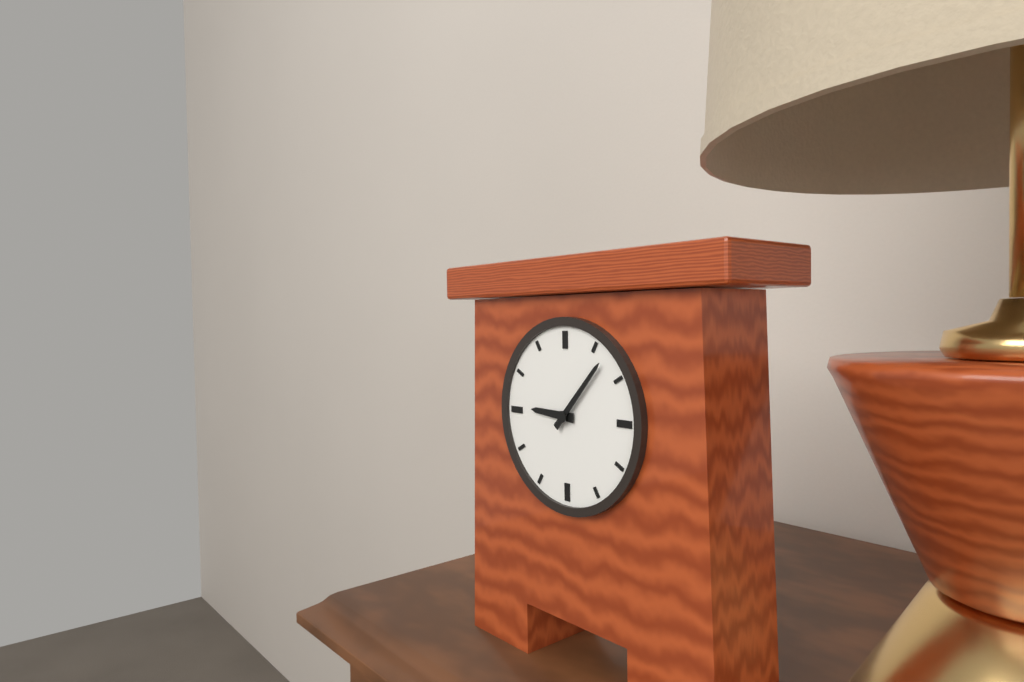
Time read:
9h07
